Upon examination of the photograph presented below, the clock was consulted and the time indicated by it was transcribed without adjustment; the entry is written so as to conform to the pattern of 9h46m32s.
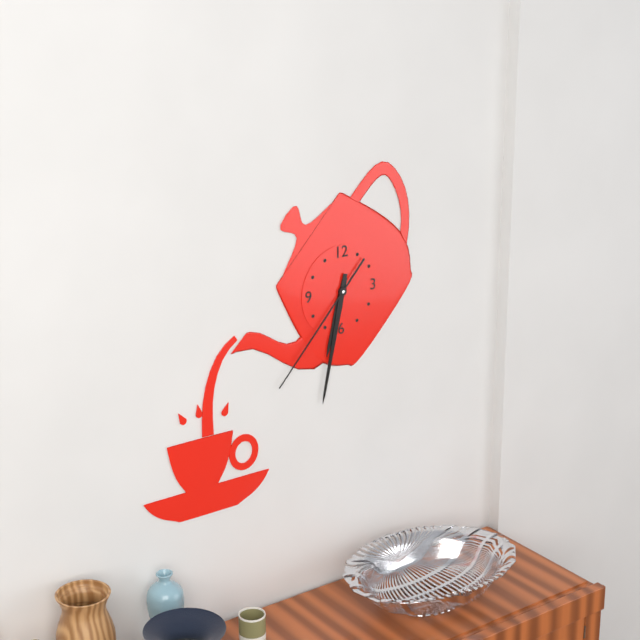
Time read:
6h32m37s
